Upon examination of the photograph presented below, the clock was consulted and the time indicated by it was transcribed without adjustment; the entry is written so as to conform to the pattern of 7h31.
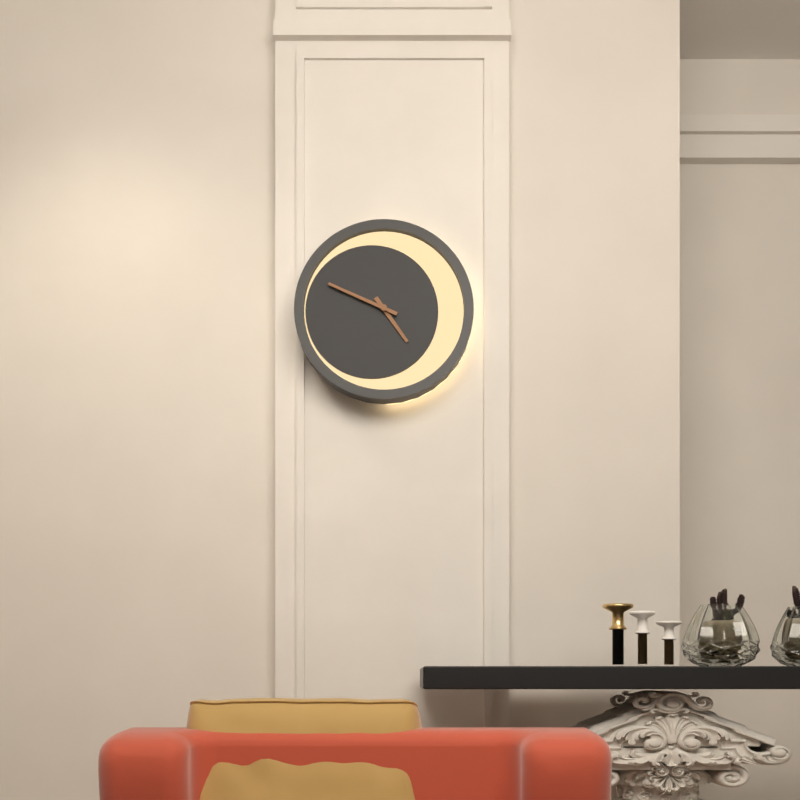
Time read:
4h49
